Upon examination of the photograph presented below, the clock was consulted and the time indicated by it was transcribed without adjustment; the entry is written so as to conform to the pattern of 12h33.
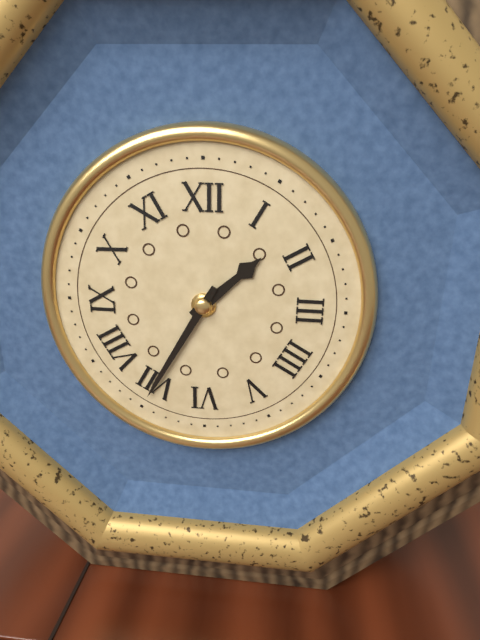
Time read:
1h35
